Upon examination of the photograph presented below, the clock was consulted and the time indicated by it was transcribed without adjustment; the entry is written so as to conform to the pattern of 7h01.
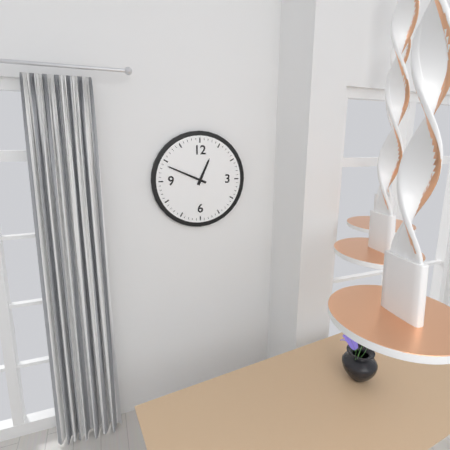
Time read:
12h49
